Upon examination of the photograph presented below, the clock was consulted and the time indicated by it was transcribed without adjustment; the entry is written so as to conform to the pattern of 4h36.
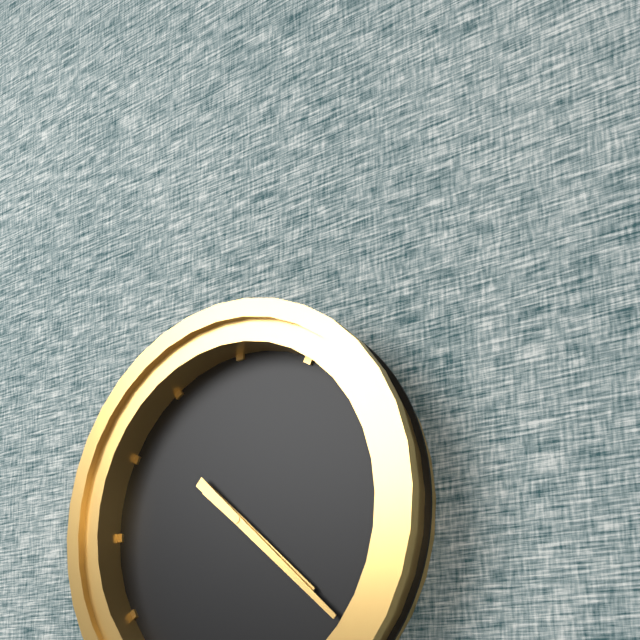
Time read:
4h22
